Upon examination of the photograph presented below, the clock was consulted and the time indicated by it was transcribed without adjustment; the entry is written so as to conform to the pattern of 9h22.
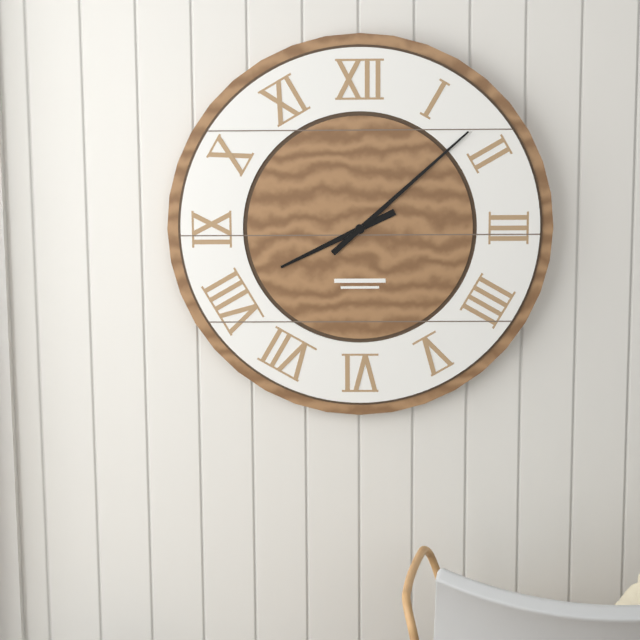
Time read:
8h08
